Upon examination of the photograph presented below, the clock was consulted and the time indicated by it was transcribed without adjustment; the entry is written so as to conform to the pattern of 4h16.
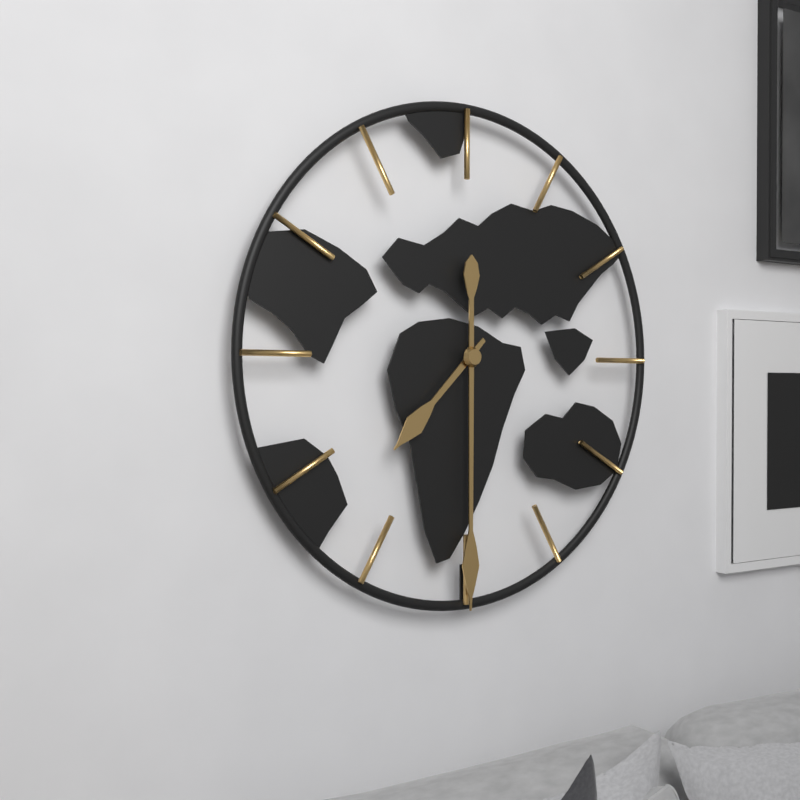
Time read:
7h30
